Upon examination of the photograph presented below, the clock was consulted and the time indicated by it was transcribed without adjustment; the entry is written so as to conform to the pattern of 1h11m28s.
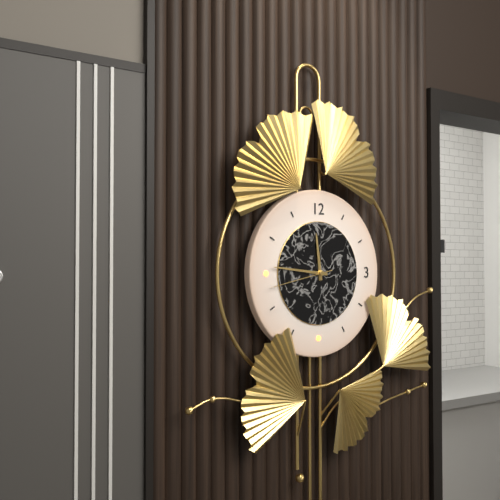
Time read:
11h46m43s
